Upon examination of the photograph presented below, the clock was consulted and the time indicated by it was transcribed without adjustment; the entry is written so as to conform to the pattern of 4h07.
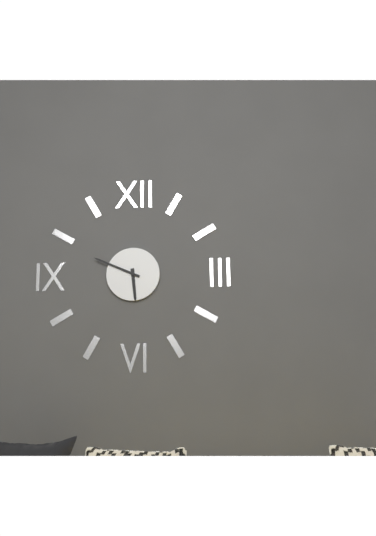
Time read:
5h49
